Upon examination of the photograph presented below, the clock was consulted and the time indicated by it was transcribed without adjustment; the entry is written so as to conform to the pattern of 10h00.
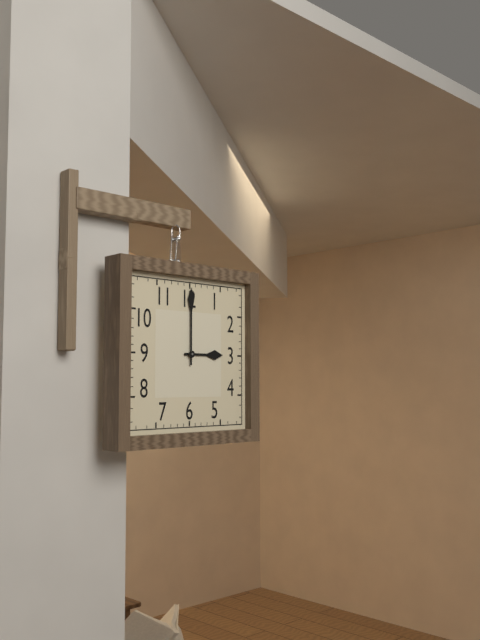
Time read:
3h00
